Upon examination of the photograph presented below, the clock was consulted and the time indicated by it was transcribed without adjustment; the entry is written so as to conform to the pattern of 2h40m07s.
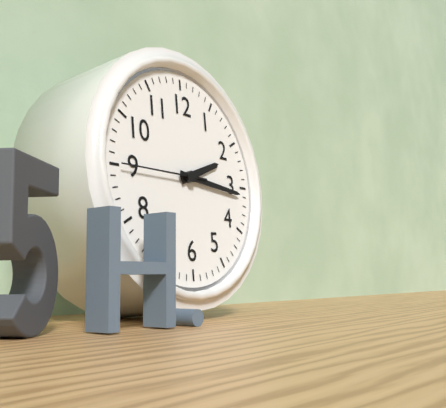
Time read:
2h16m45s
